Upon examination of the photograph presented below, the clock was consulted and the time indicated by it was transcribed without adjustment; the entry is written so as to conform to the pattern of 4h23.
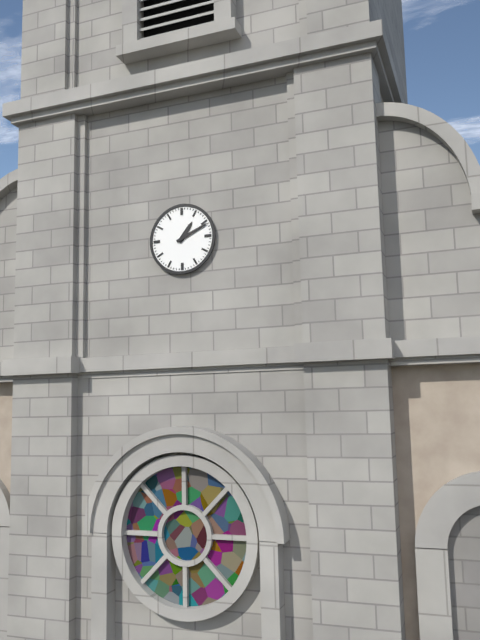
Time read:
1h11
